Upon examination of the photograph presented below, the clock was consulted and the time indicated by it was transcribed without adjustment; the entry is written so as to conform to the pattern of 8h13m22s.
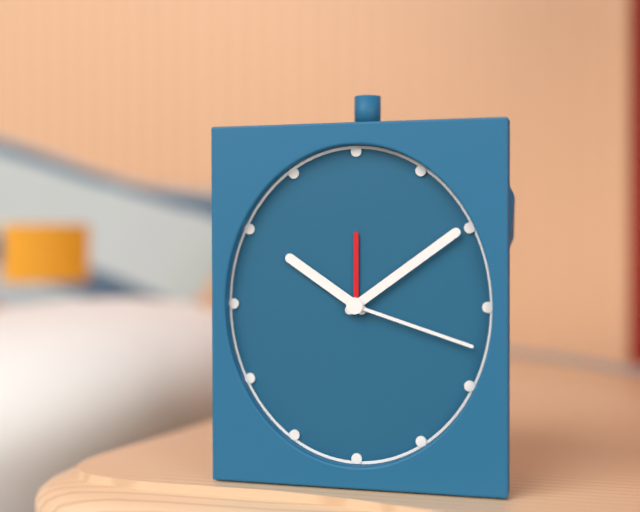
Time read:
10h09m18s
